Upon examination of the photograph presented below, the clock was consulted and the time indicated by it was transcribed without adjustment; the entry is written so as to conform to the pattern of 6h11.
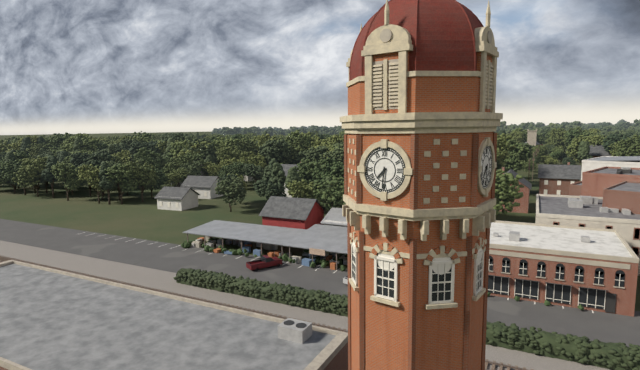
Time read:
7h31
